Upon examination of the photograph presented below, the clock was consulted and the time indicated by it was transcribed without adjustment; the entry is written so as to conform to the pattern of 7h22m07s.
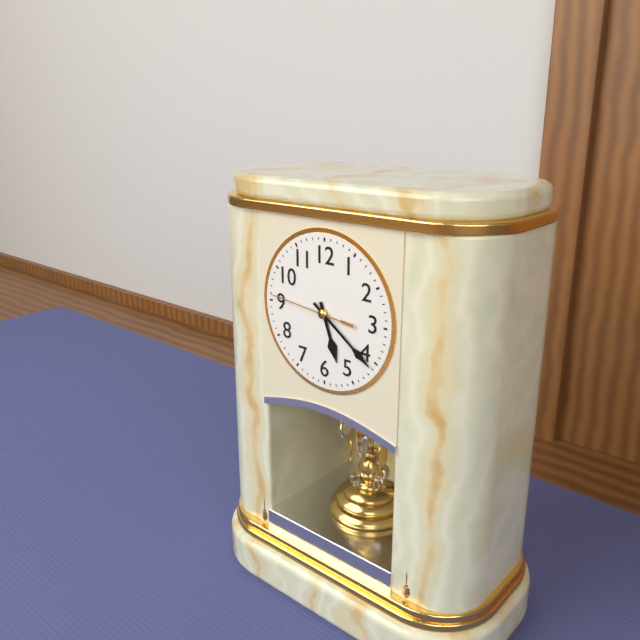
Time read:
5h21m46s
